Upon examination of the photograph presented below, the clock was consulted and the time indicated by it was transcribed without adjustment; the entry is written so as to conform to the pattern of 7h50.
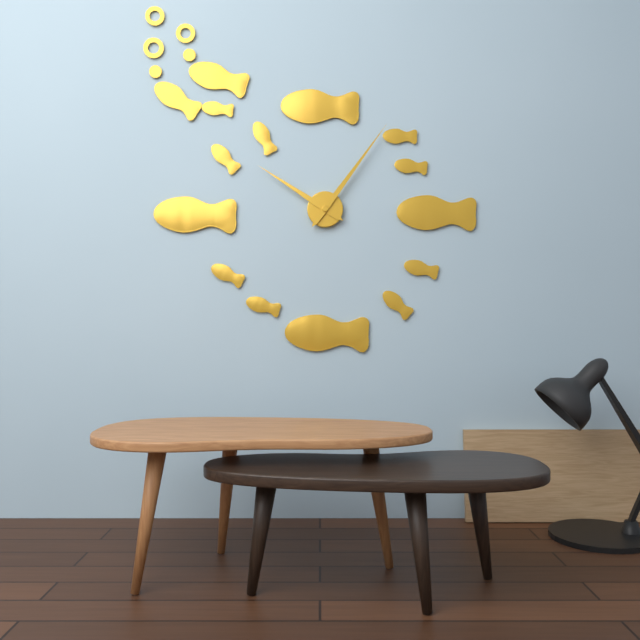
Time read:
10h06
